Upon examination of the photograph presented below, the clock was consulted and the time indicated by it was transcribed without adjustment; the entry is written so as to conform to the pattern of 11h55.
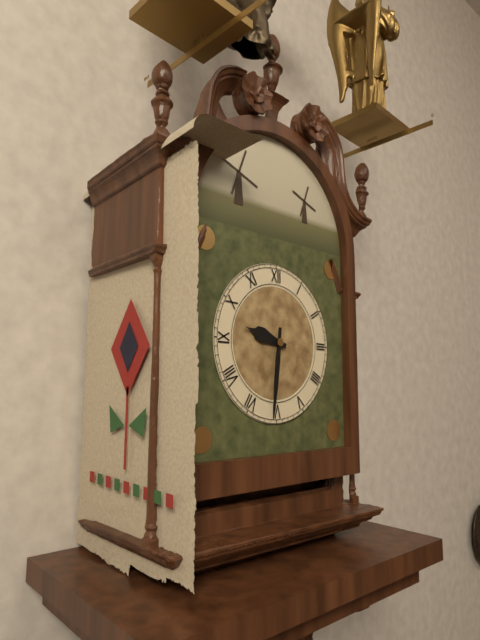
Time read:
9h31
